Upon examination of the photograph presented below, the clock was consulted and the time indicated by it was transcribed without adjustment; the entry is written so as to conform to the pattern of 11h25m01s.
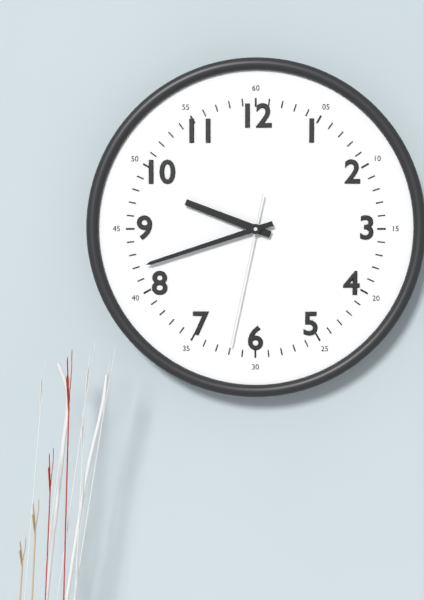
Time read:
9h42m32s
